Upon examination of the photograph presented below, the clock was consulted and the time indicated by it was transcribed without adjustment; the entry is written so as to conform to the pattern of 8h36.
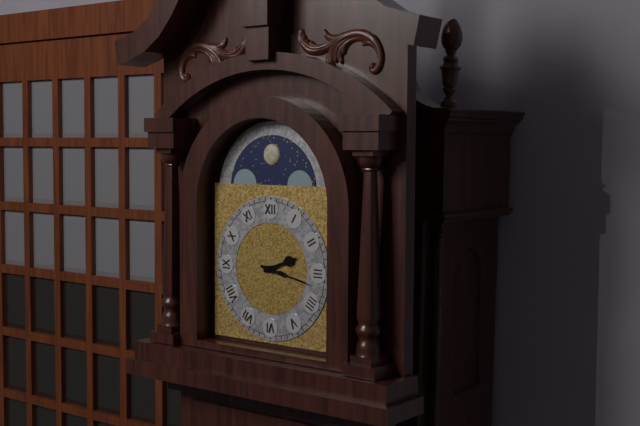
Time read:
2h17
